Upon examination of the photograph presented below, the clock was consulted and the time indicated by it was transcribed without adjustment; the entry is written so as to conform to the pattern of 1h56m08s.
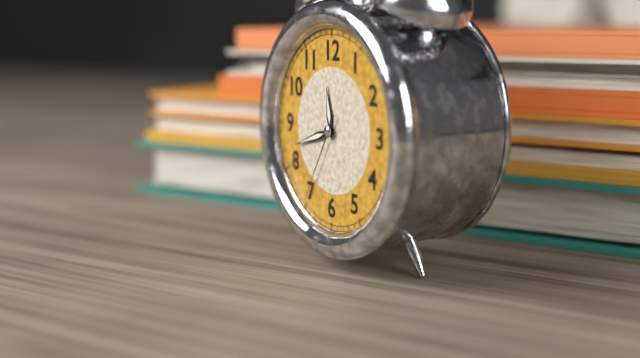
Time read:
11h42m35s
